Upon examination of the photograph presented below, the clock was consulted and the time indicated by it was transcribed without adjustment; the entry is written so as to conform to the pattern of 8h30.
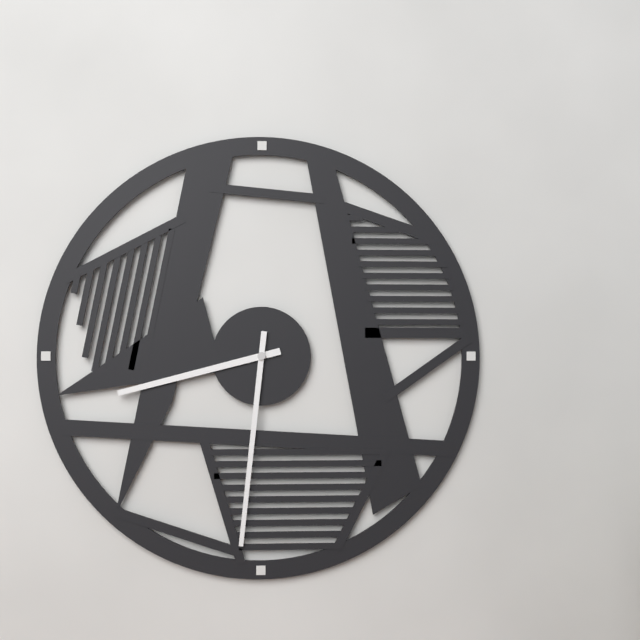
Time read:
8h31
